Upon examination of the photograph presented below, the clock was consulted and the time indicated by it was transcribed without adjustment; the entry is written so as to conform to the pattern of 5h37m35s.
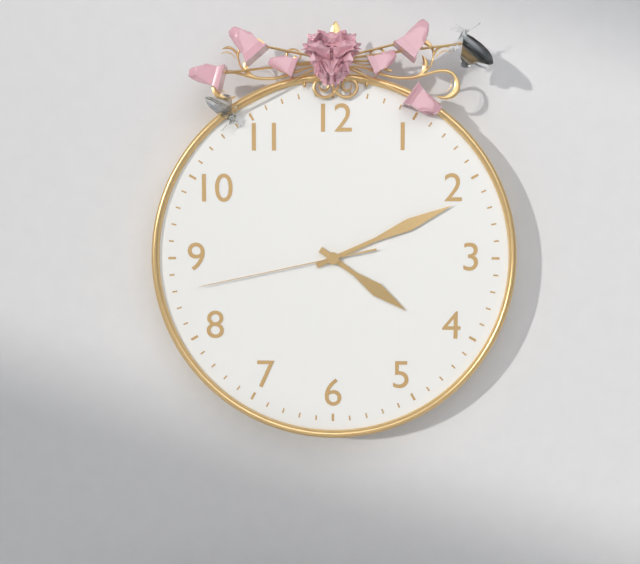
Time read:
4h11m43s
